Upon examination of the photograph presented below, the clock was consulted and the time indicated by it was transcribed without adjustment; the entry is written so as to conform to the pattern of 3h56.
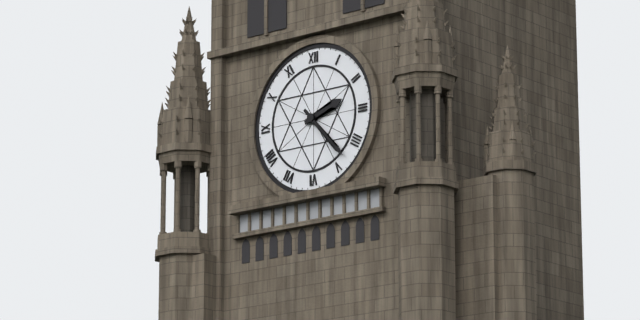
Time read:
2h23
